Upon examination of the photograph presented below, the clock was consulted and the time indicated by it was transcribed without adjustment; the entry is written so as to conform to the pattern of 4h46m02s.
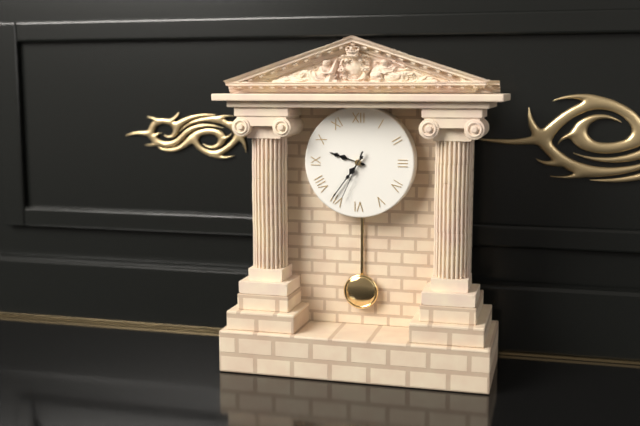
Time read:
9h36m34s
